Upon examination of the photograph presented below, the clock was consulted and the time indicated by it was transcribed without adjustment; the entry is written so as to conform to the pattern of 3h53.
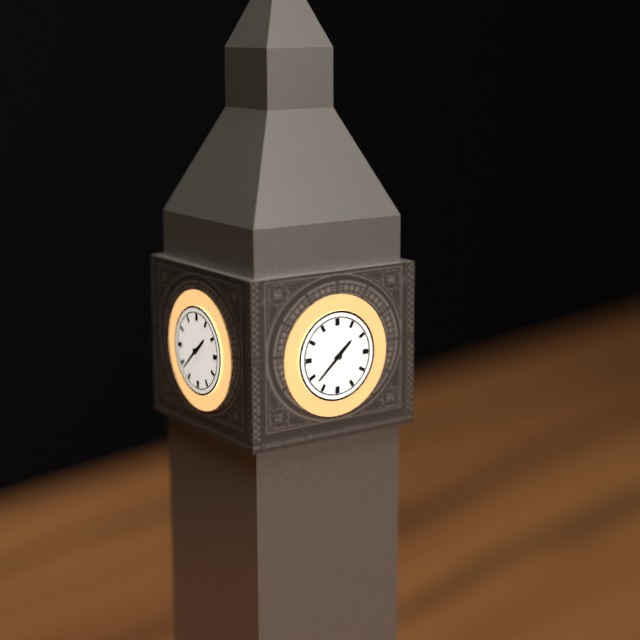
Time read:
1h38
